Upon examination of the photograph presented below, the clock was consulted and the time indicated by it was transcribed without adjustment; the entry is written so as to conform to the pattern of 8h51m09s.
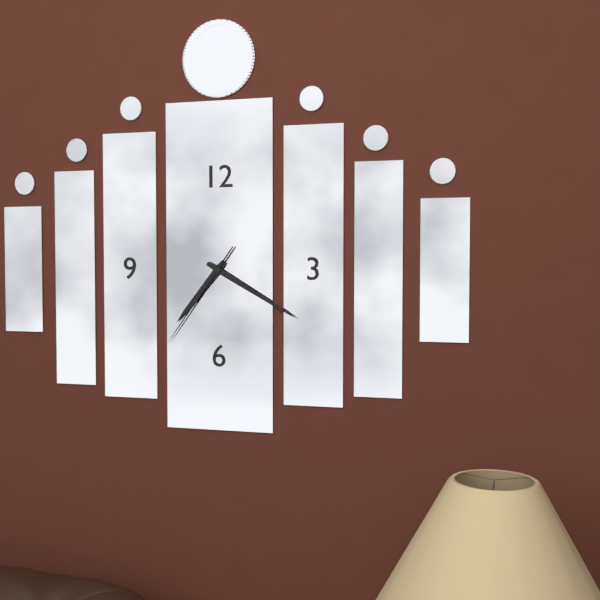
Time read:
7h20m36s
